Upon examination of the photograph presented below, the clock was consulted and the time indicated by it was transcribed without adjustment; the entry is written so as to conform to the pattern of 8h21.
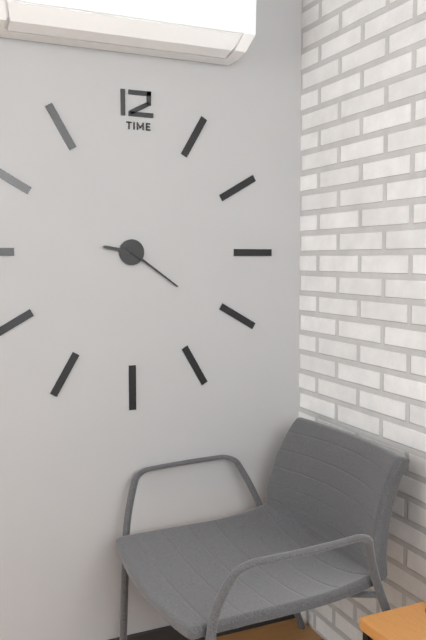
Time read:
9h21
